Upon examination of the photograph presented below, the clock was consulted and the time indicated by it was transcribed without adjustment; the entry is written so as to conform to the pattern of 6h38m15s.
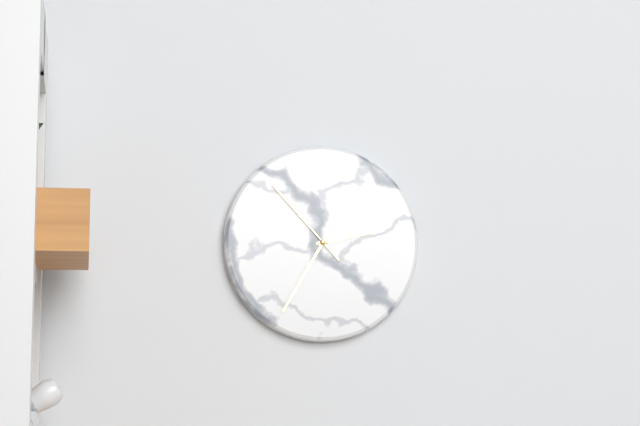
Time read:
2h35m53s
